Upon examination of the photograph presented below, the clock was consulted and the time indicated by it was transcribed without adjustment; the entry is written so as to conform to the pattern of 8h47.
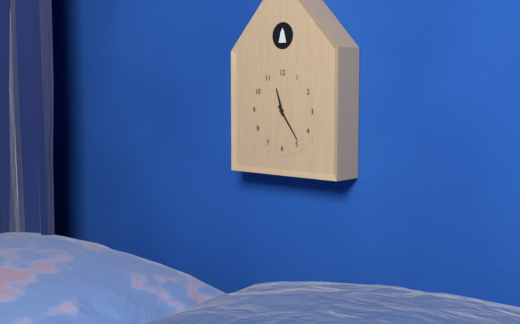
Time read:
11h24
